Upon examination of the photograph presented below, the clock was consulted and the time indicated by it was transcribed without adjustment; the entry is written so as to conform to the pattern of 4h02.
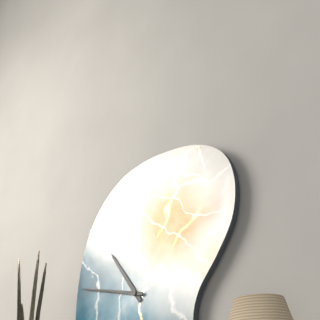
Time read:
10h47
